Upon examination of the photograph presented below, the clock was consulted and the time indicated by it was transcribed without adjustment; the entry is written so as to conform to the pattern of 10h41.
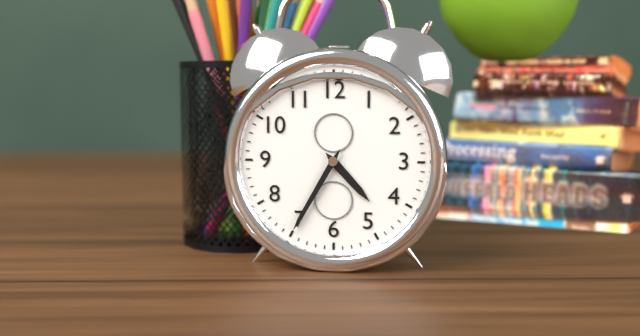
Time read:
4h35
